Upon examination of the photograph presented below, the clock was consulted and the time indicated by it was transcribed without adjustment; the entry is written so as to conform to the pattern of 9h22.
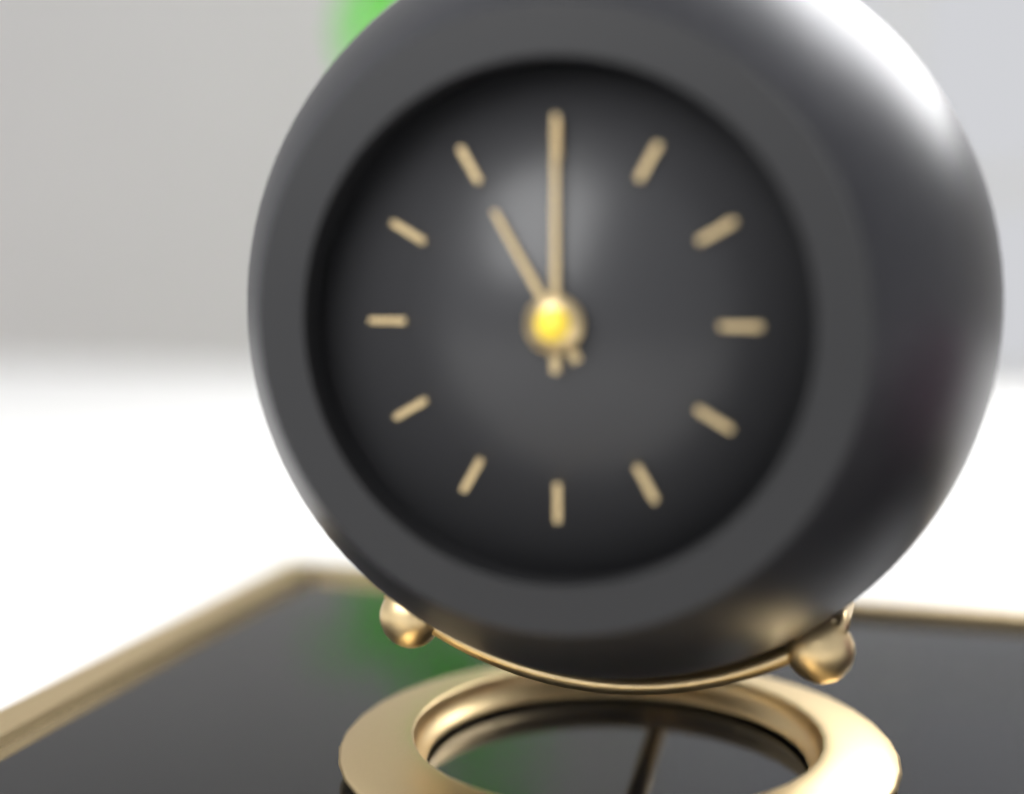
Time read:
11h00
